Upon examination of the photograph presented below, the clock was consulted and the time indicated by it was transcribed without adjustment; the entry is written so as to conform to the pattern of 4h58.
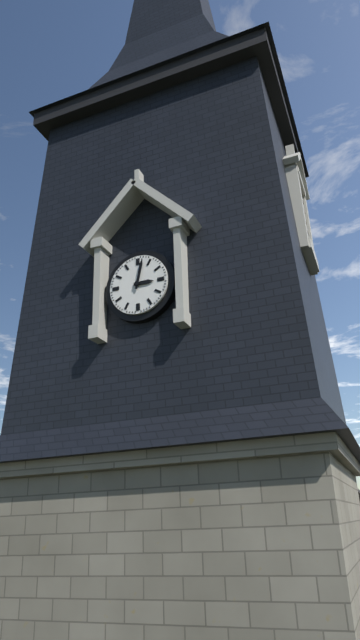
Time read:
3h02
